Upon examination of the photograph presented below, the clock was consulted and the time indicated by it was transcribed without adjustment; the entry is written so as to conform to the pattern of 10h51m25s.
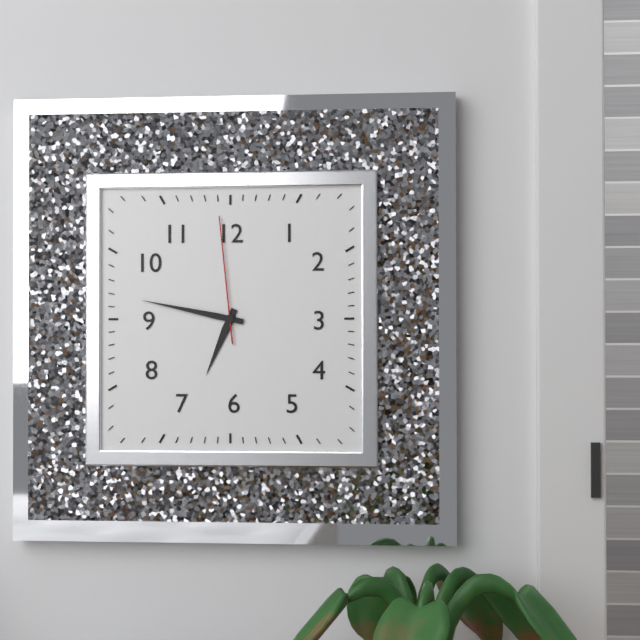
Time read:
6h47m59s
